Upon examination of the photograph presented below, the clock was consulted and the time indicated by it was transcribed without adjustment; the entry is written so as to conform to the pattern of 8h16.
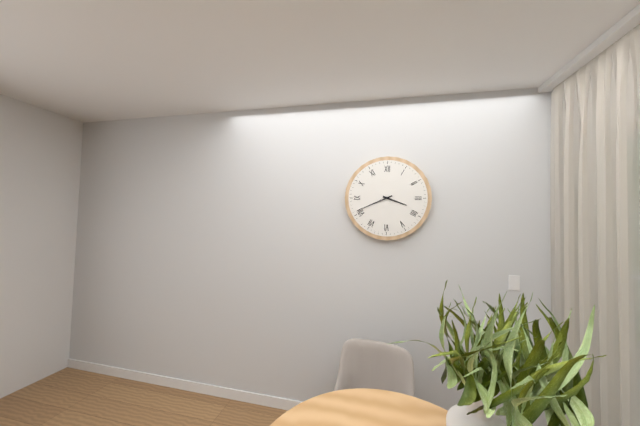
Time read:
3h41
